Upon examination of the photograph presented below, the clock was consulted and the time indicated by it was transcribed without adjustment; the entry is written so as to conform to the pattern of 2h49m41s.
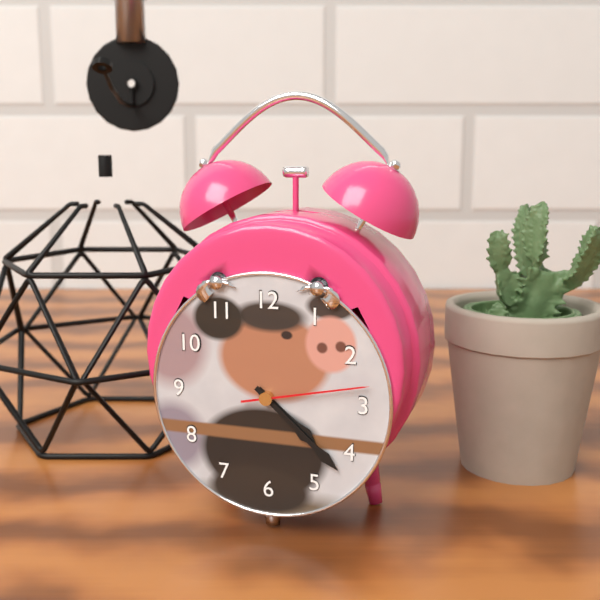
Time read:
4h22m13s
